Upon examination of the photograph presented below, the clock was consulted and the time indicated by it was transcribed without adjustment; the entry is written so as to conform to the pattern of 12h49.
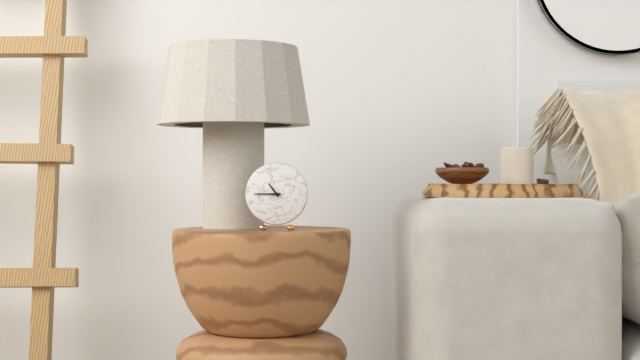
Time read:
10h45
